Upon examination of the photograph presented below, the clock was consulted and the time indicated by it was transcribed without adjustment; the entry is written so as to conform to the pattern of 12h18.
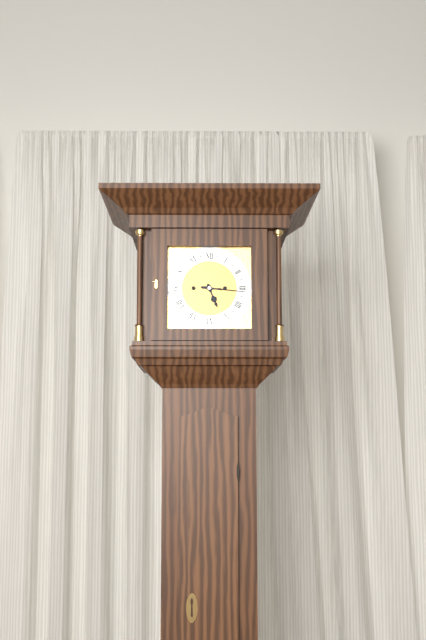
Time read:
5h16
